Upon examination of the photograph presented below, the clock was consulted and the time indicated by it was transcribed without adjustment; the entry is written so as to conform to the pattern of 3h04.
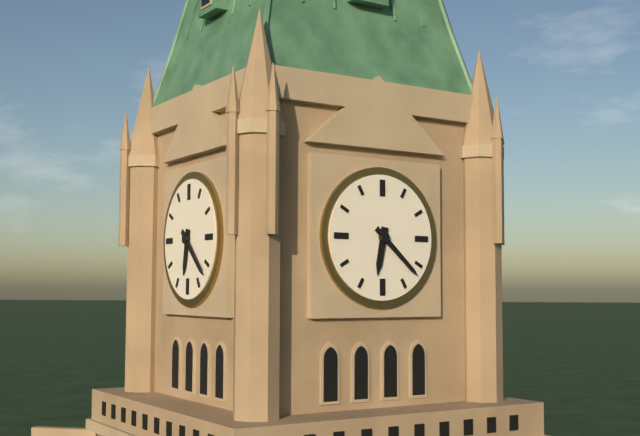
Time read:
6h22
